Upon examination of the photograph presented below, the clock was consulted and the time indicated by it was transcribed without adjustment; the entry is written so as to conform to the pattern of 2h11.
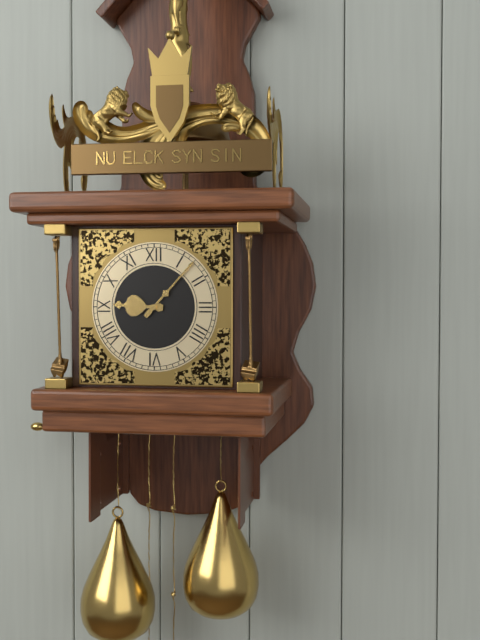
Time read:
9h07
